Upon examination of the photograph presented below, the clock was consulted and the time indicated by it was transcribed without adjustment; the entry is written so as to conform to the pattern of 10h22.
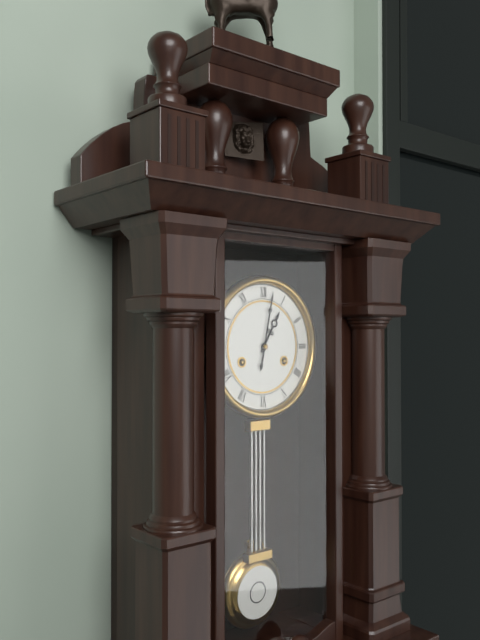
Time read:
1h02
